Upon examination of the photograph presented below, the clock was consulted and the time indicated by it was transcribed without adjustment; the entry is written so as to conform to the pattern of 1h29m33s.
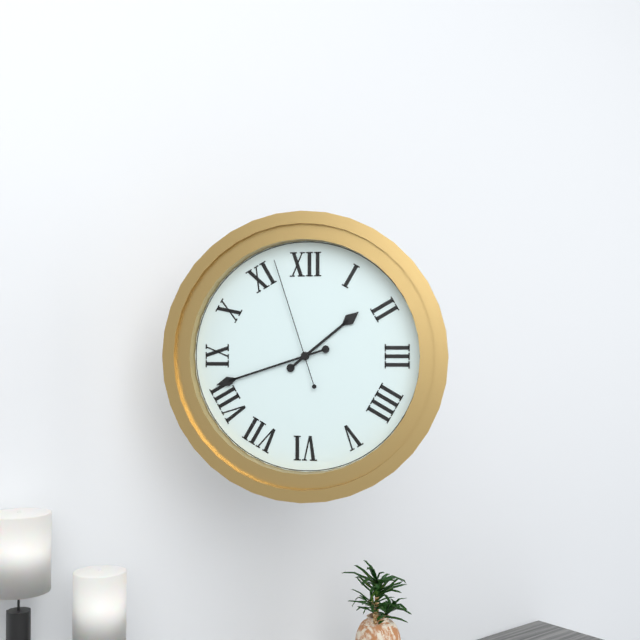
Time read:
1h42m57s
